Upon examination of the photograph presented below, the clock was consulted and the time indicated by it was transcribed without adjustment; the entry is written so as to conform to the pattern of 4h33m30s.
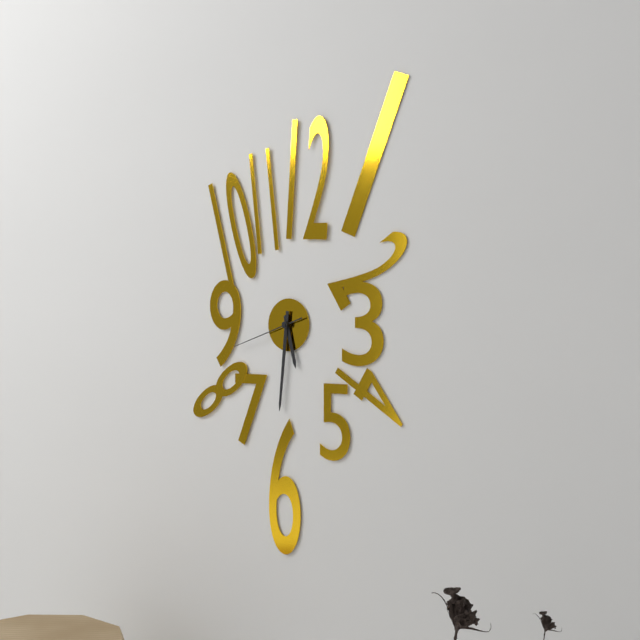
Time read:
5h31m42s
